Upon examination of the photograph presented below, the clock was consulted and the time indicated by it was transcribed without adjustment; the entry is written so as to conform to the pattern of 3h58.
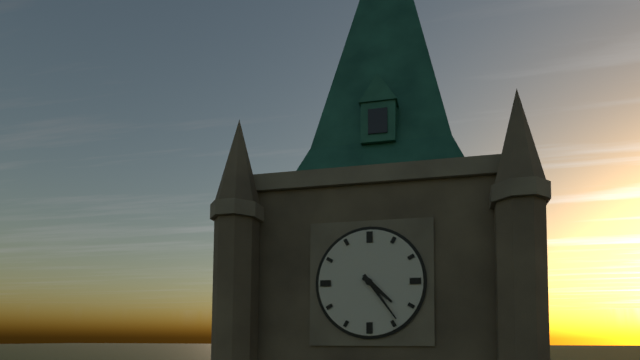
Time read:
4h24
